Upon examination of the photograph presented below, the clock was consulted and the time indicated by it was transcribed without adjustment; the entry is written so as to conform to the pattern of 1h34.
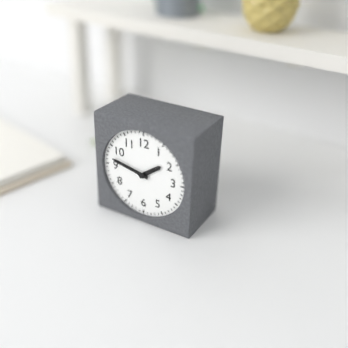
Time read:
1h47
